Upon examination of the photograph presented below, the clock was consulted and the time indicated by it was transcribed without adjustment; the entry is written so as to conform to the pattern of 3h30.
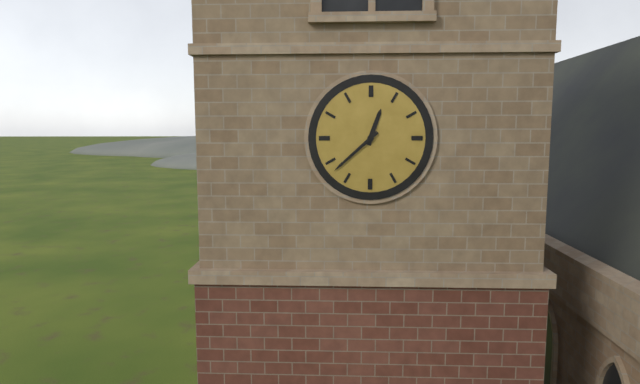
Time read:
12h38
